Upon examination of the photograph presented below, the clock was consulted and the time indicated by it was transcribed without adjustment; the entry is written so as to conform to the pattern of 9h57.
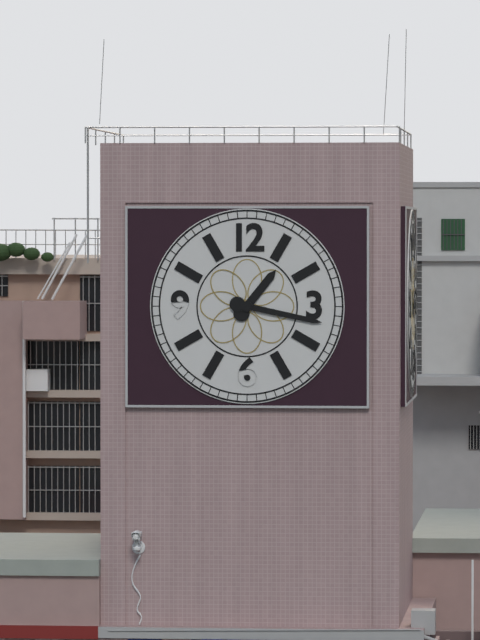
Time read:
1h17
